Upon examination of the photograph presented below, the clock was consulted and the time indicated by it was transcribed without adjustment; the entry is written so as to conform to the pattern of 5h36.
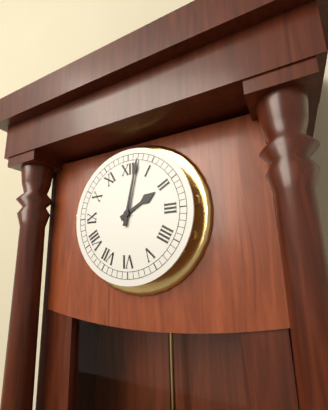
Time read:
2h02
